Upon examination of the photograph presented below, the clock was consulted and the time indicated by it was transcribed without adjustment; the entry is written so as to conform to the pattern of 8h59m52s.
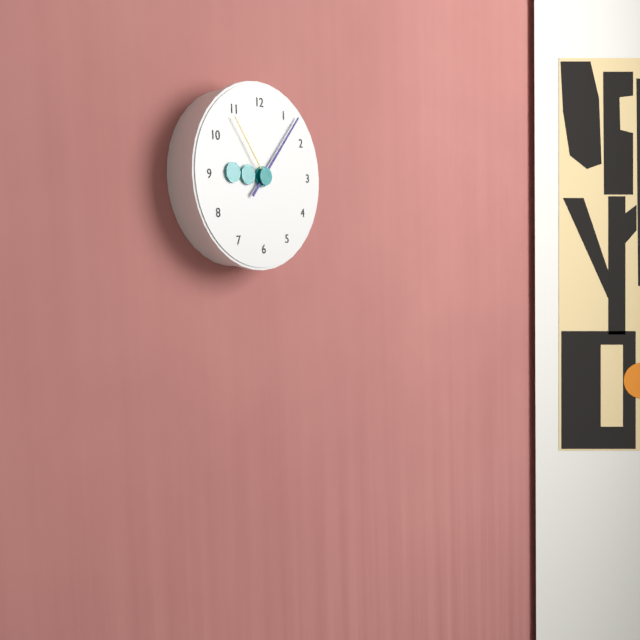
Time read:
9h07m54s
